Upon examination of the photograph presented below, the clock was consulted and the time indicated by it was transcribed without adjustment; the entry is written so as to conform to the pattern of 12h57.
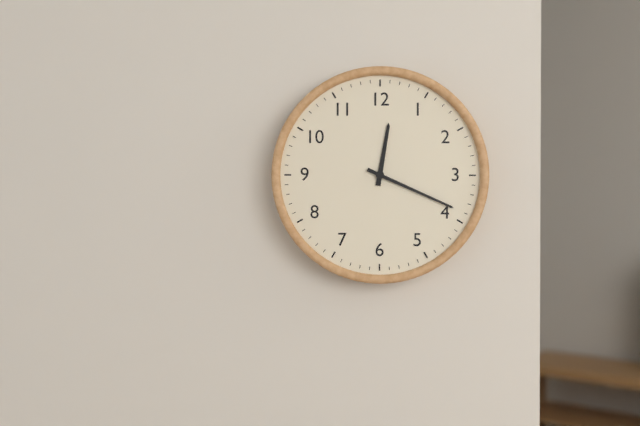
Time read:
12h19
